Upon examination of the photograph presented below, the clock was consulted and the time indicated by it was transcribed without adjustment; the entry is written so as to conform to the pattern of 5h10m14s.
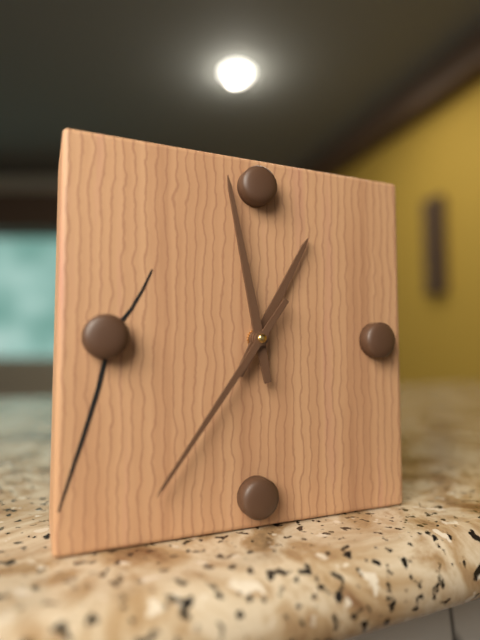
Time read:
12h58m36s
